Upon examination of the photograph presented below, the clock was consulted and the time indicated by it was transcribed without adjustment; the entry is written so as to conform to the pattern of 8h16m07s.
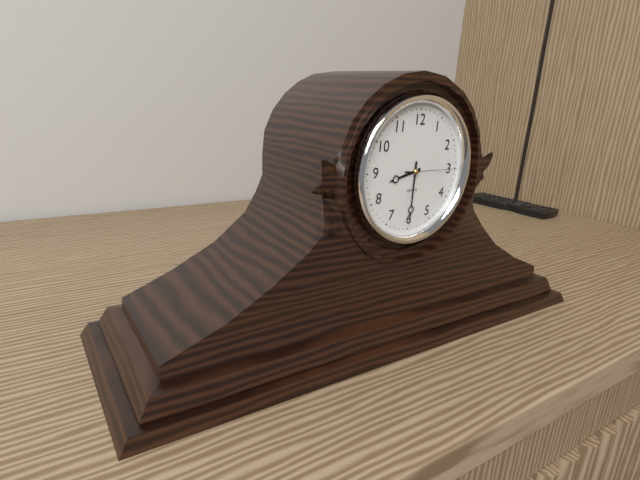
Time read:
8h30m15s
